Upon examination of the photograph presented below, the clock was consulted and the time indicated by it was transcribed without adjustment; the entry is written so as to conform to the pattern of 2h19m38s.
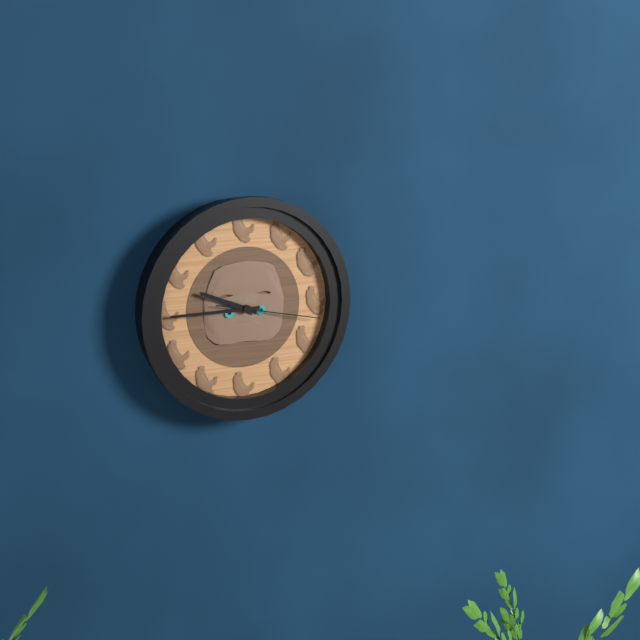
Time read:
9h45m17s
